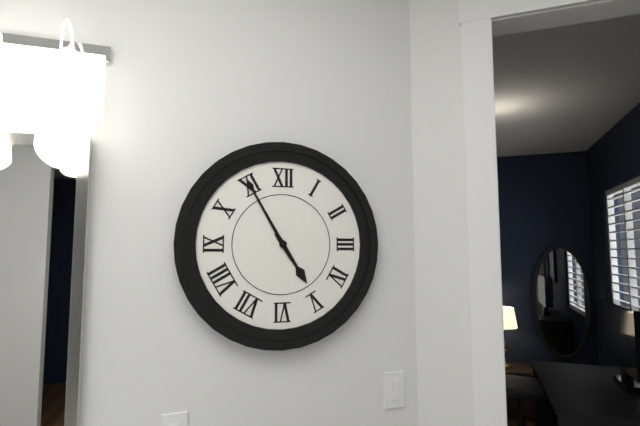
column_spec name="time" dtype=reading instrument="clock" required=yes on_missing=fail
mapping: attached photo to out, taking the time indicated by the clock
4:55
